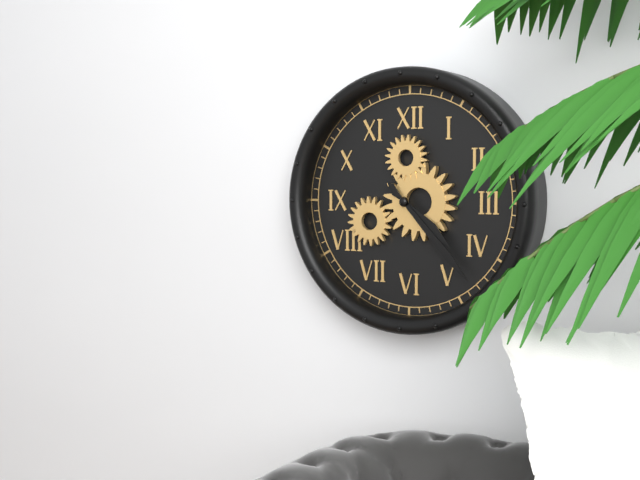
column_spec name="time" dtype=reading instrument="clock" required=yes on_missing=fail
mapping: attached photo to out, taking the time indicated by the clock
4:23
